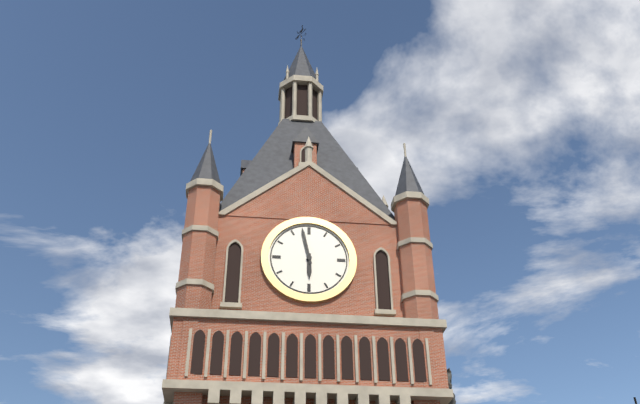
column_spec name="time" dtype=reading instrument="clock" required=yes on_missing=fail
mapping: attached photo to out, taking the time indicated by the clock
5:58
